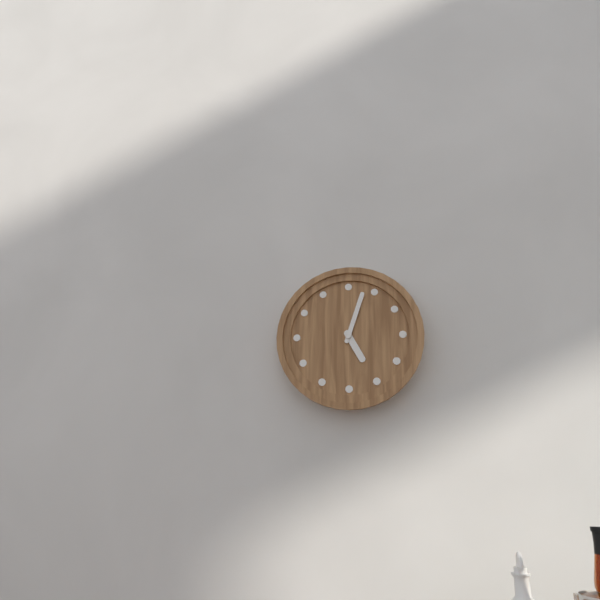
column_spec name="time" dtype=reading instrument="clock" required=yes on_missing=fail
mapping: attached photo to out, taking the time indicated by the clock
5:03
